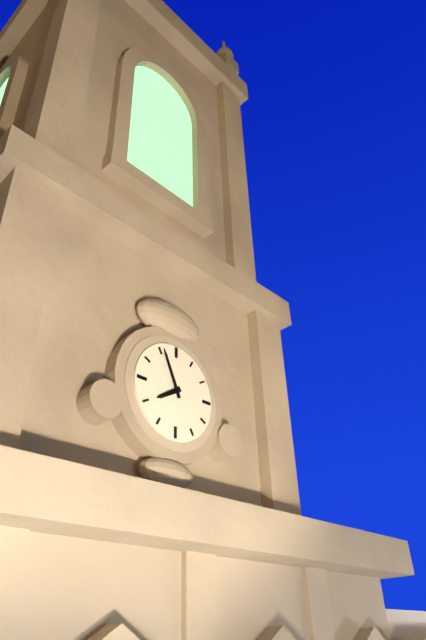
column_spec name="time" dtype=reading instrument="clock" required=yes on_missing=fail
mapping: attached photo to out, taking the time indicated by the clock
7:56
